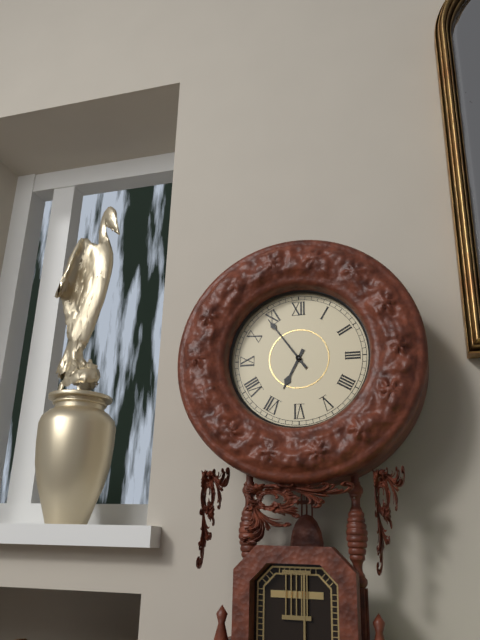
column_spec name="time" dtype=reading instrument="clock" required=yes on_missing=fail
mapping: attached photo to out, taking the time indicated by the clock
6:54
